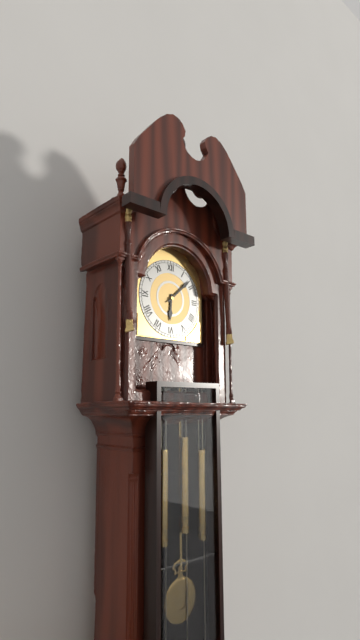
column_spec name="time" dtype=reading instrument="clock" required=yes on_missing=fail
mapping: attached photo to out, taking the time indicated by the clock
6:08
